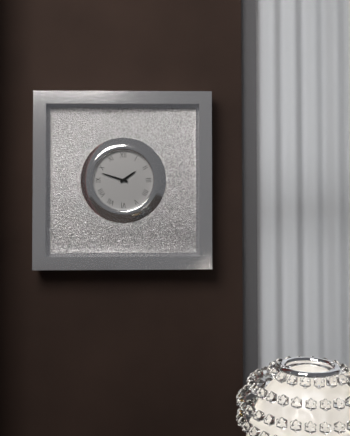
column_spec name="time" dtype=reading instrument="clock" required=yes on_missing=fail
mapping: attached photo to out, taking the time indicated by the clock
1:48
